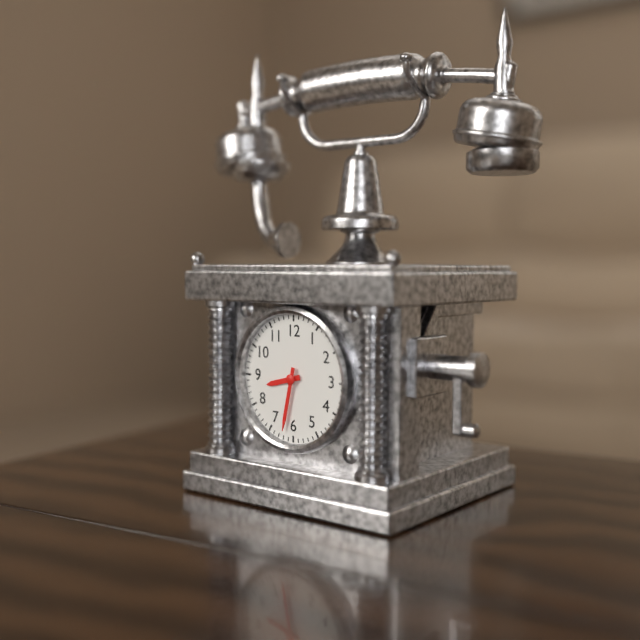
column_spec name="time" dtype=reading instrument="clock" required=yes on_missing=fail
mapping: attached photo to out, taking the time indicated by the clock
8:32
